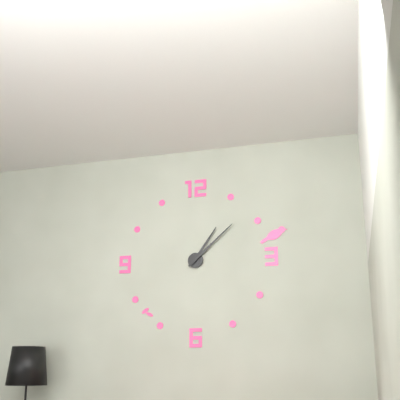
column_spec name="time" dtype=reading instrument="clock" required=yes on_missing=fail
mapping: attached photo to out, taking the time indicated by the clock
1:08
